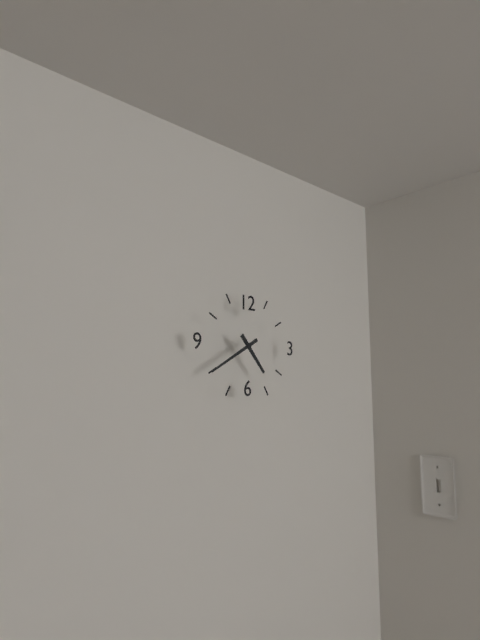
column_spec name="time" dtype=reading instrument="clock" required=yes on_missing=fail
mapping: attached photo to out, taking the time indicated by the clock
4:40
